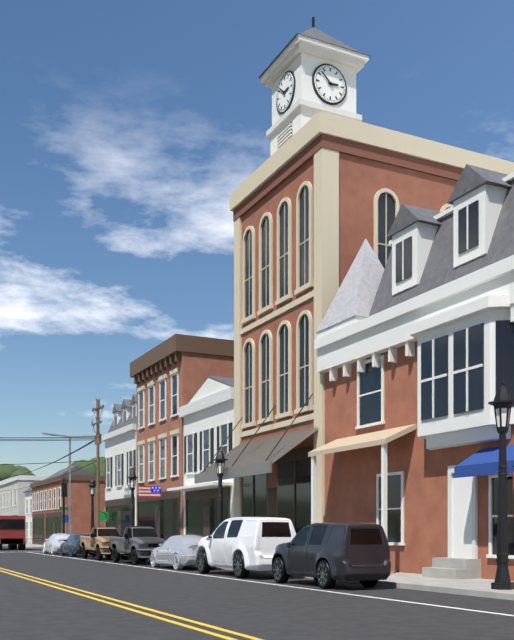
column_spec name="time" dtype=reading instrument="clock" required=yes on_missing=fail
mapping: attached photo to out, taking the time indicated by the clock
2:52
